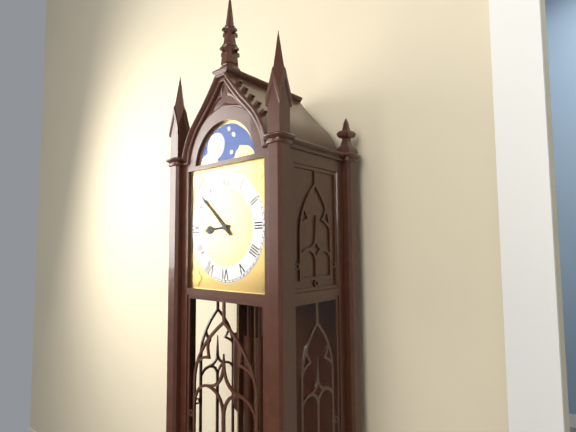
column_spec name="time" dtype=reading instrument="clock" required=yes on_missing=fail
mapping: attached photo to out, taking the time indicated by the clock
8:52
